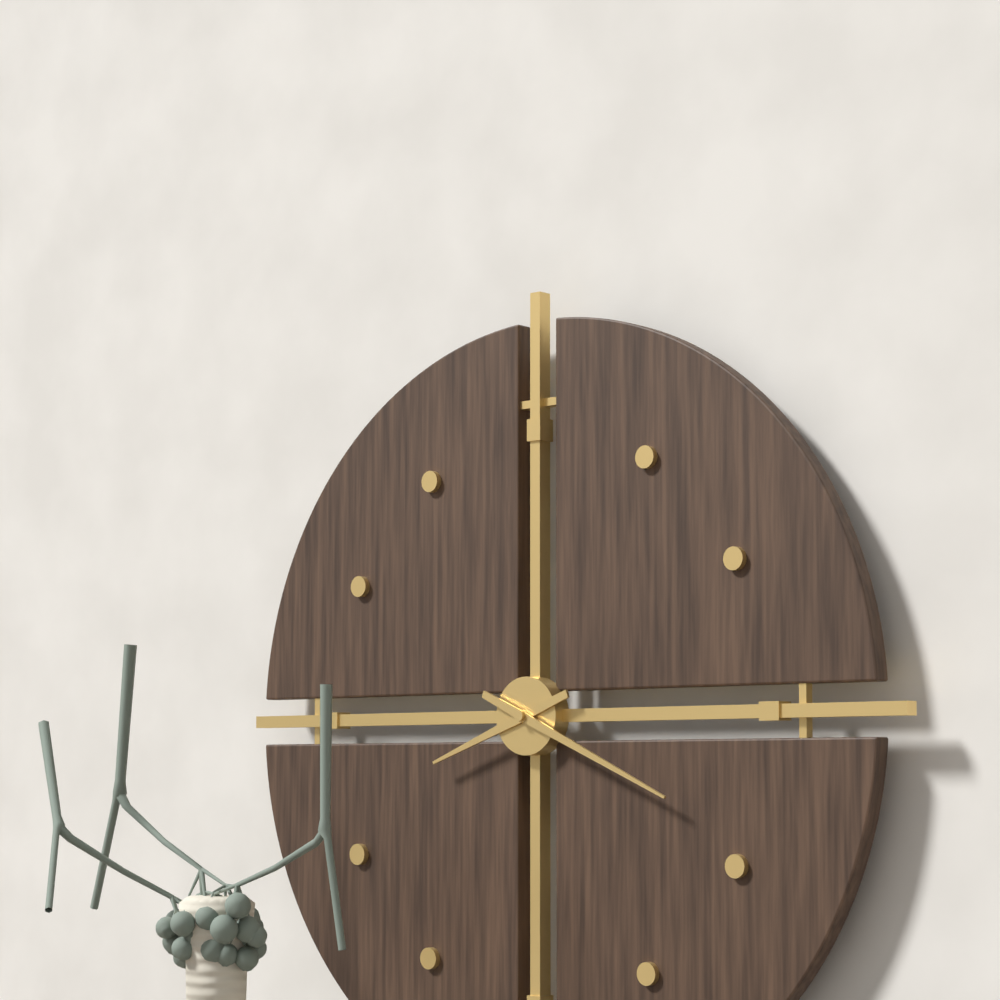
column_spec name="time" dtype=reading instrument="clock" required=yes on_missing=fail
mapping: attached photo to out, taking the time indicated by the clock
8:19
